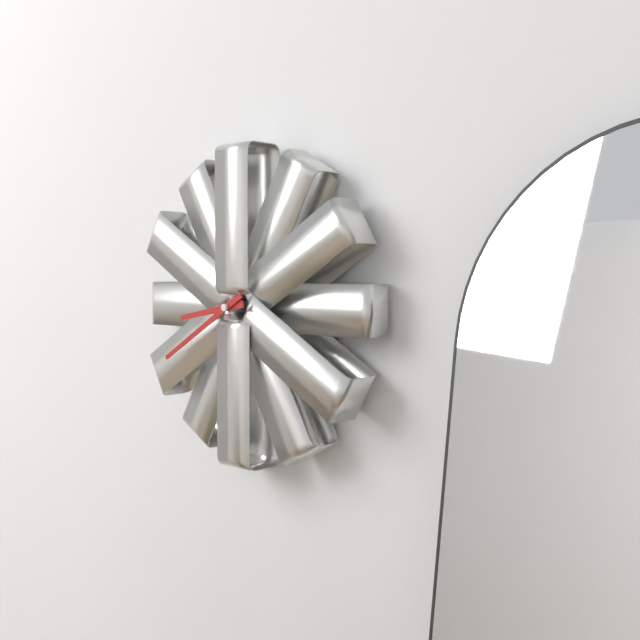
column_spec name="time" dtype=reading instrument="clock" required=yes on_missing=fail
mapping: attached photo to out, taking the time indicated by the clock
8:40
